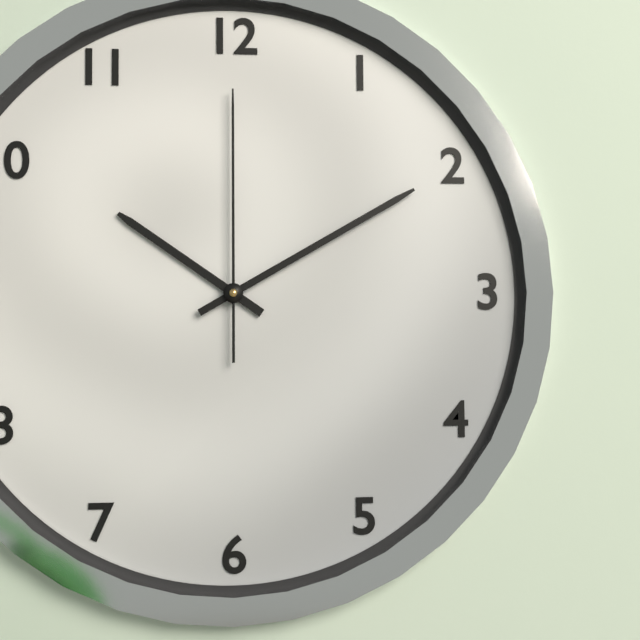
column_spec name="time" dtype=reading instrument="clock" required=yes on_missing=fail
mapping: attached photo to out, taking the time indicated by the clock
10:10:00
